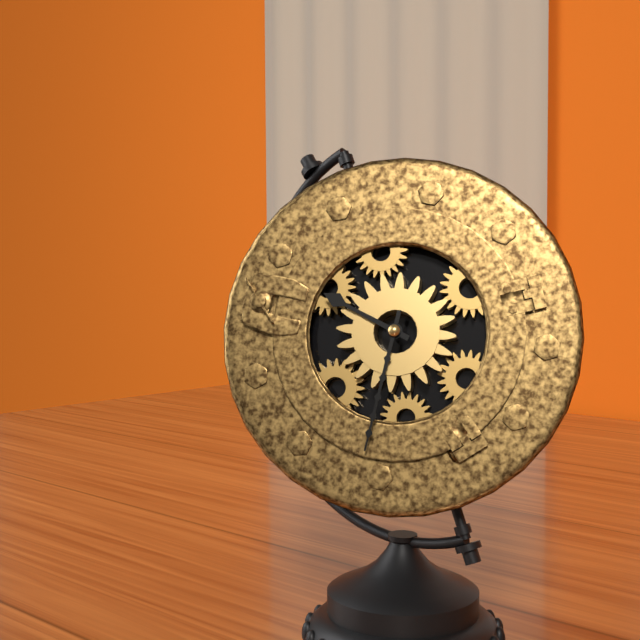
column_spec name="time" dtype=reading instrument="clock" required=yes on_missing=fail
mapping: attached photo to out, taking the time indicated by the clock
9:30
